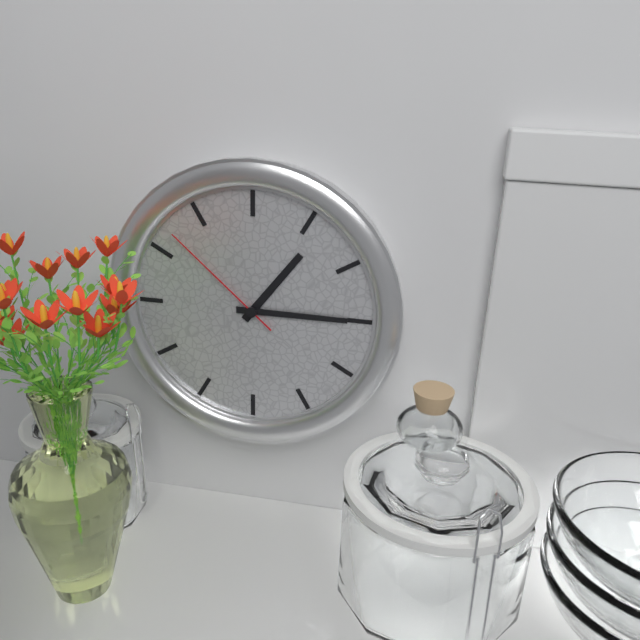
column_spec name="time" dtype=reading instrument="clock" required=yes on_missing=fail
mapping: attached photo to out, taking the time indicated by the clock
1:15:52
